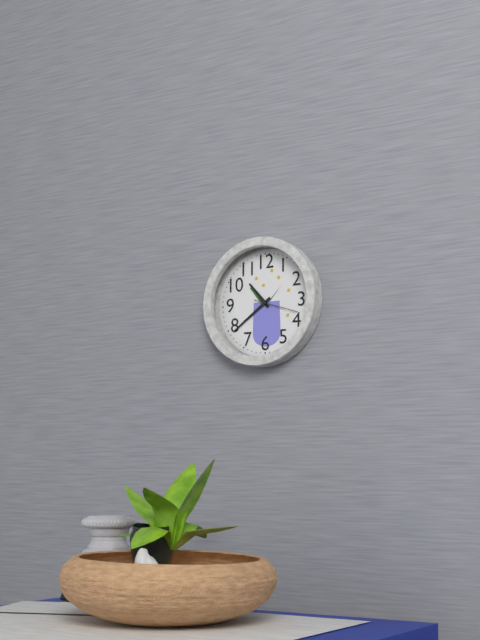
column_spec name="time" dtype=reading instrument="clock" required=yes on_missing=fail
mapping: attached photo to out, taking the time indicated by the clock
10:39
